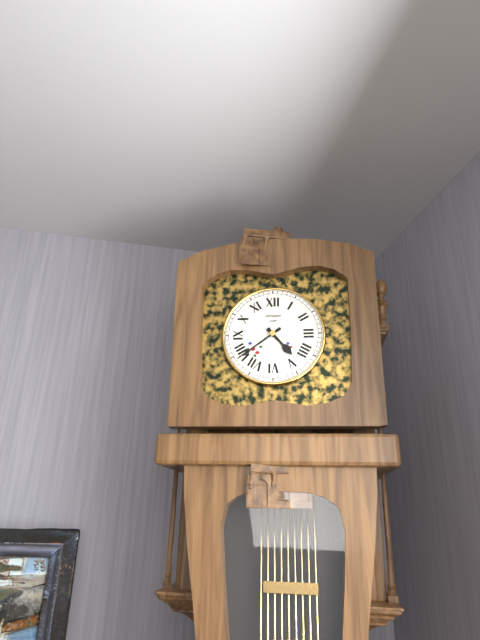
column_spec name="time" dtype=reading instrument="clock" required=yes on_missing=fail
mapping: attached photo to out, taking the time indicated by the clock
4:39
